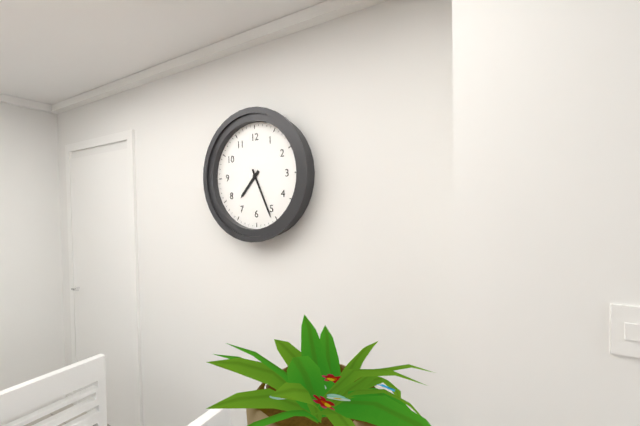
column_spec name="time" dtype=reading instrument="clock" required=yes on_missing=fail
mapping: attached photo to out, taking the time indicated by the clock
7:26
